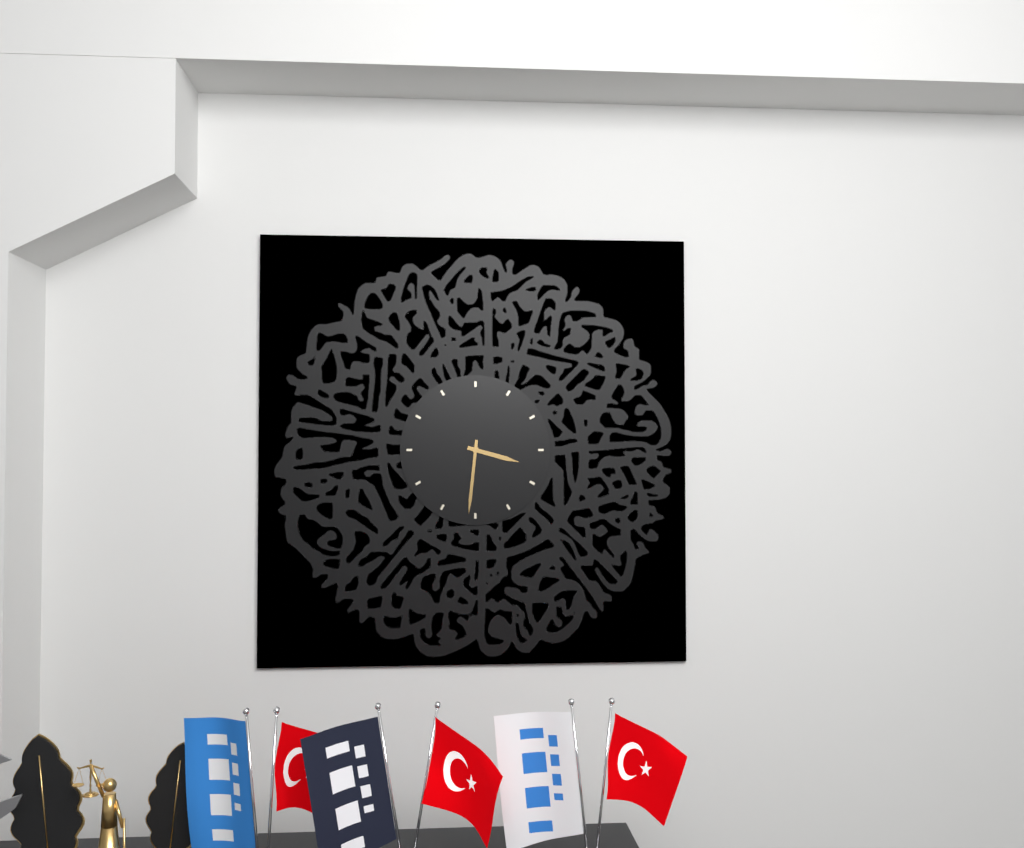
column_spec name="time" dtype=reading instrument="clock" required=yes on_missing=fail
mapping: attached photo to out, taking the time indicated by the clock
3:31
